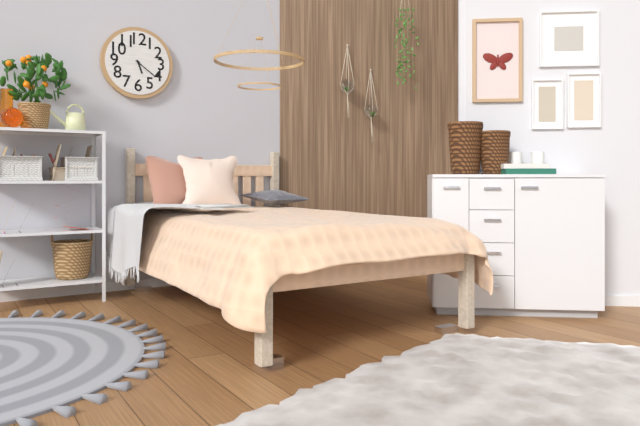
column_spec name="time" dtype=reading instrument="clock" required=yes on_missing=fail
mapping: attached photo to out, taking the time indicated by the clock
5:21
